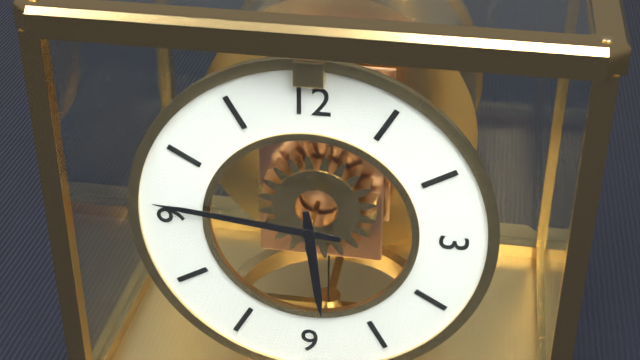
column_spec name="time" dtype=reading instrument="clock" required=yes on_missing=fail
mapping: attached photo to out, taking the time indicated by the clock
5:46
